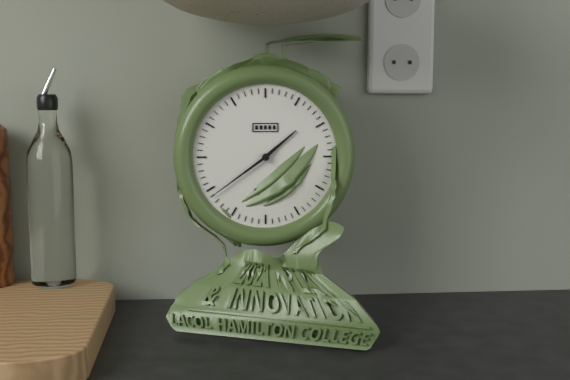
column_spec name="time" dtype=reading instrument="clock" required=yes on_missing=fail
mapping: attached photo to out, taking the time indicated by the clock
1:39
